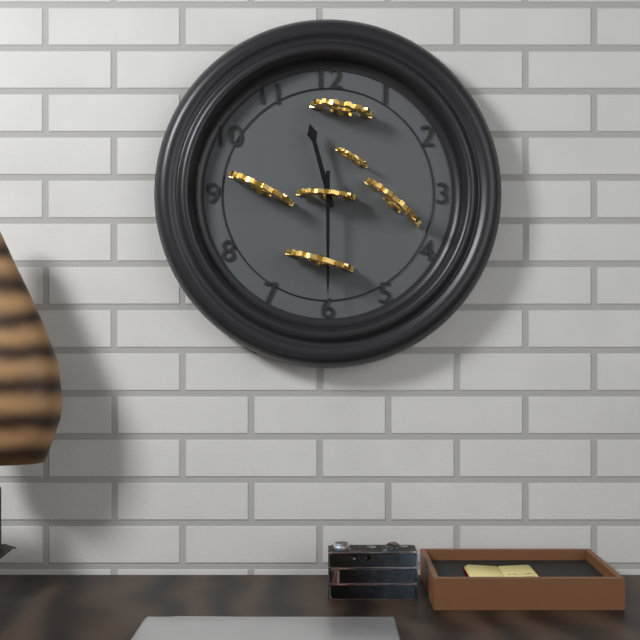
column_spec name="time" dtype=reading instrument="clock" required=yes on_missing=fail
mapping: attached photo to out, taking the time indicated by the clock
11:30
